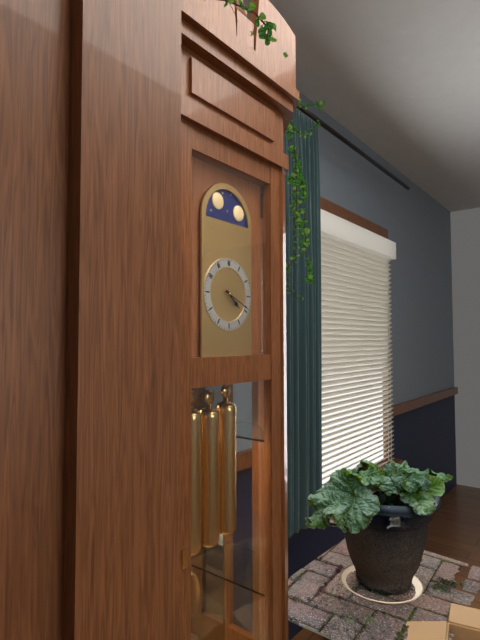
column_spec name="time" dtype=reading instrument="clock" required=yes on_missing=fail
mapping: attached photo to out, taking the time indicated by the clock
4:19
